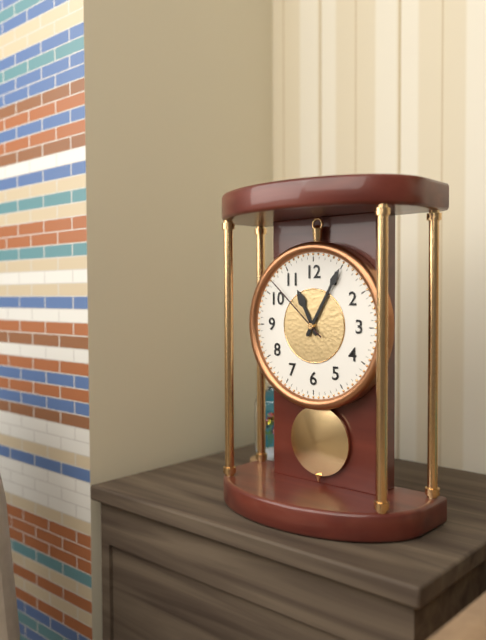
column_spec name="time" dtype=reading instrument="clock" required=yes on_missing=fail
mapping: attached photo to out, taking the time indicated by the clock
11:05:52
